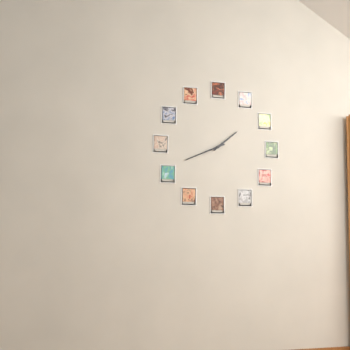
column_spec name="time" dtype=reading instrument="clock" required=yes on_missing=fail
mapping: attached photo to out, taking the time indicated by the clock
1:41
